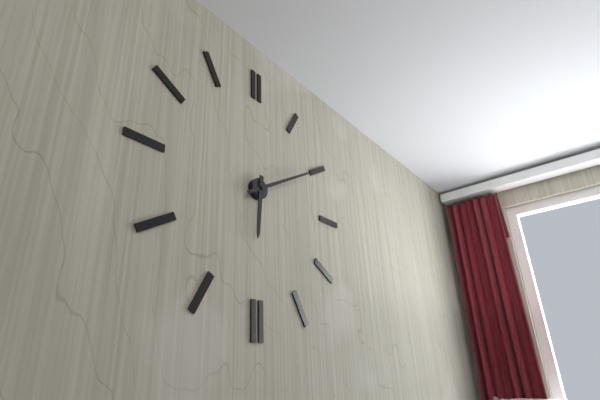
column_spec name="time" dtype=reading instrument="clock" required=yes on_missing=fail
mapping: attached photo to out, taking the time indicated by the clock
6:10
